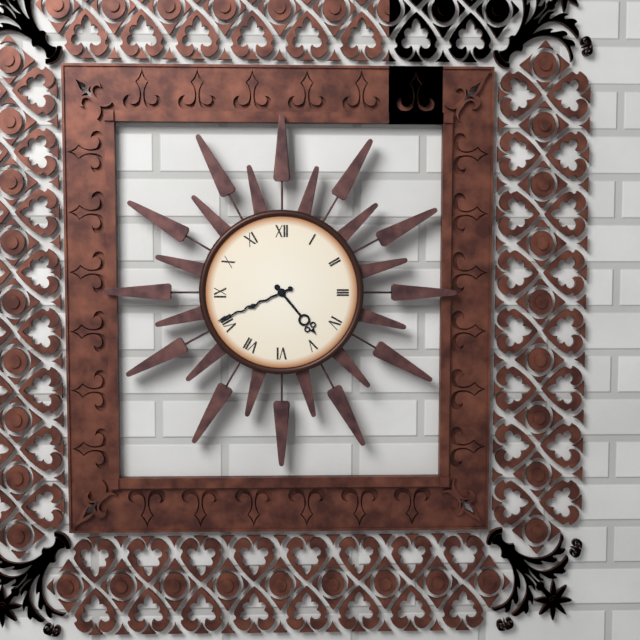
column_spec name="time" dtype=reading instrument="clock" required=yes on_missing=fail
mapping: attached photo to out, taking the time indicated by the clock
4:41
